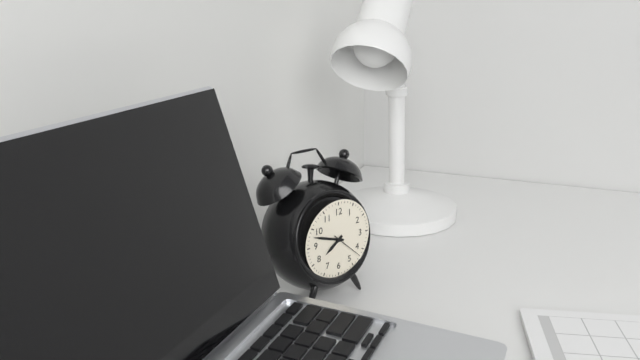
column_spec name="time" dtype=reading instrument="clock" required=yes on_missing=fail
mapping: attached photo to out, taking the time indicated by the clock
7:48
